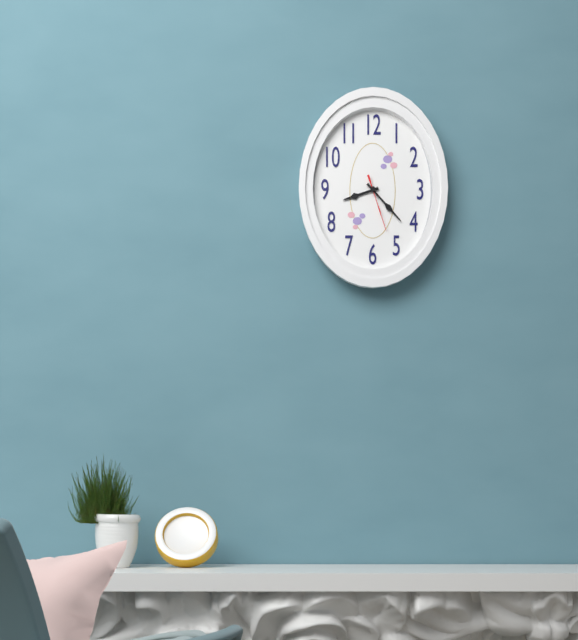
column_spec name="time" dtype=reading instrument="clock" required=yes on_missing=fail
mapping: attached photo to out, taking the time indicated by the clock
8:23:27
